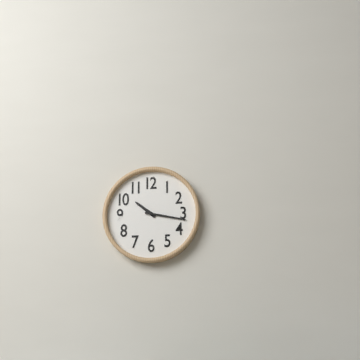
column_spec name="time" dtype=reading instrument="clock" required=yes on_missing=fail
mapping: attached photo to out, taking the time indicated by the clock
10:17
